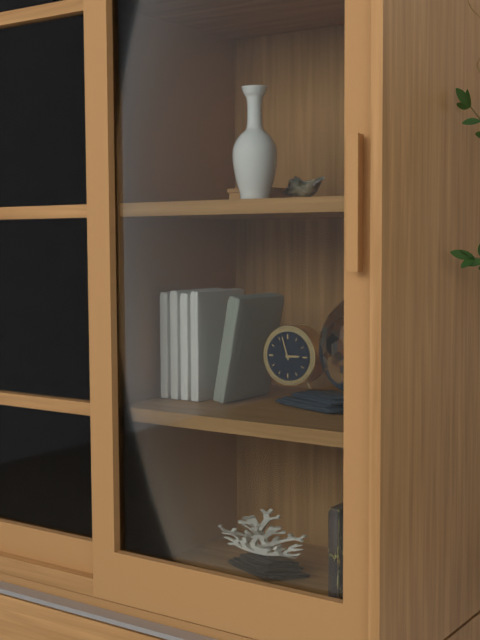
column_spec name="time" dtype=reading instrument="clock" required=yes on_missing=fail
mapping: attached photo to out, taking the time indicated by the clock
2:57
